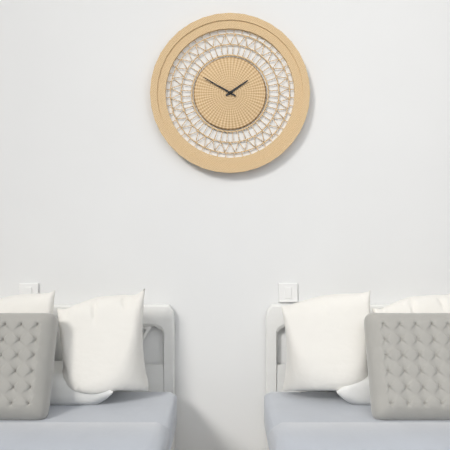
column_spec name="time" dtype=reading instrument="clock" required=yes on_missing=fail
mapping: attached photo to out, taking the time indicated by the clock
1:50
